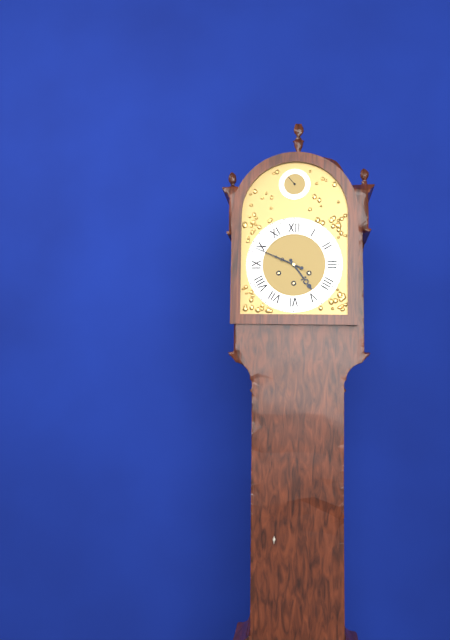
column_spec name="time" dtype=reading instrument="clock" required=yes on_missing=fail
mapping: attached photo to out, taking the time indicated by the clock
4:49
